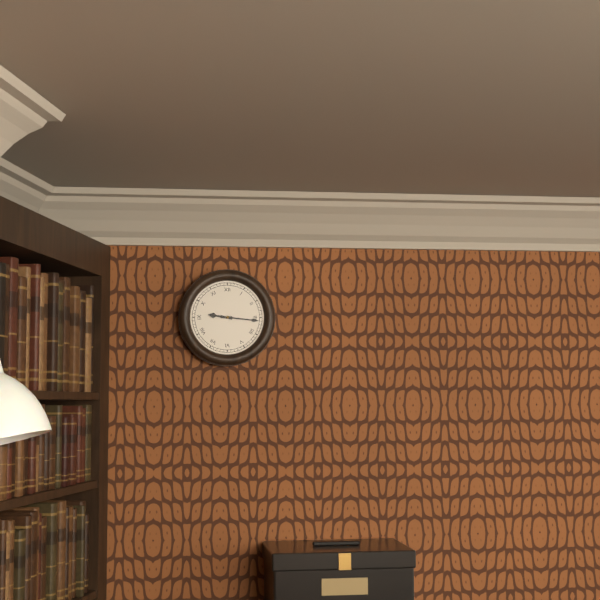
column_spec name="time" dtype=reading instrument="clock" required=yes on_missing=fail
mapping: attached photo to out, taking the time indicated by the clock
9:16
